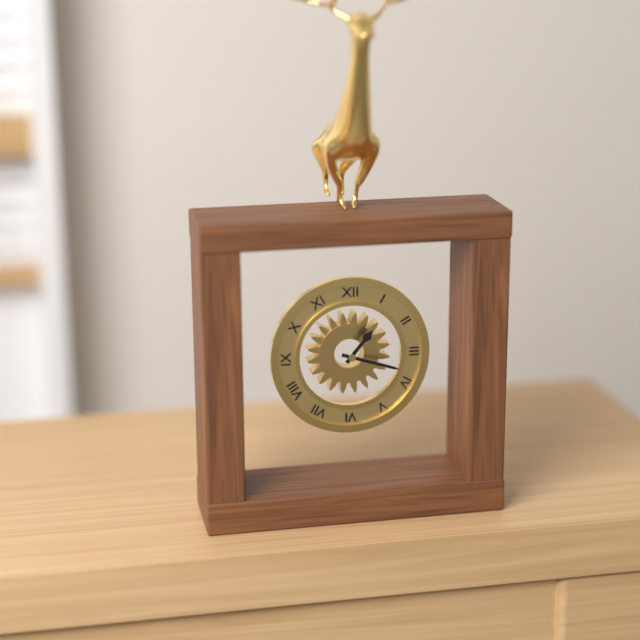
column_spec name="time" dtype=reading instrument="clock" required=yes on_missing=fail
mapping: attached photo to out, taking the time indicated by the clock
1:18
